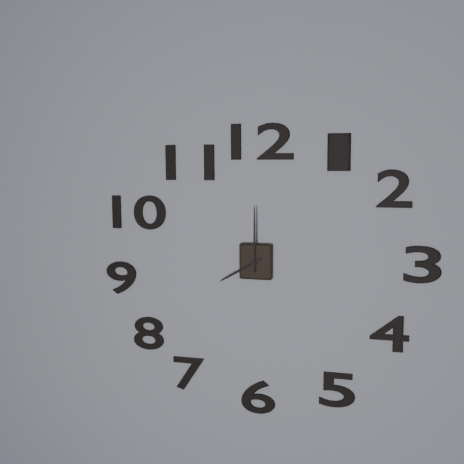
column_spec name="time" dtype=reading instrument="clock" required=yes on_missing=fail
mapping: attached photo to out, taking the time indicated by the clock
8:00
